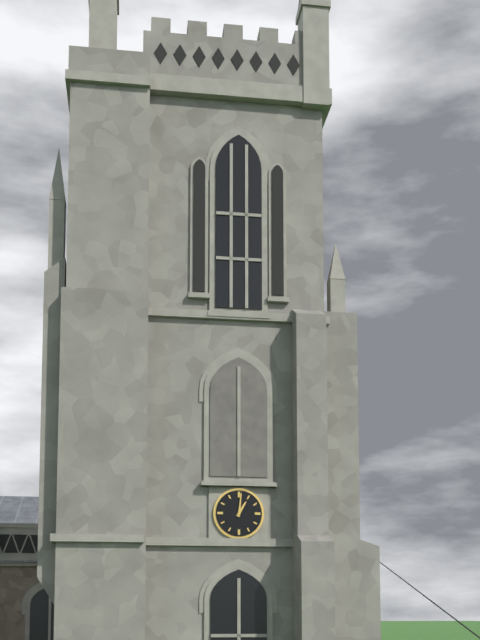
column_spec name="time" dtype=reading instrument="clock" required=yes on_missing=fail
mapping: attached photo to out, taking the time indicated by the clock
1:01
